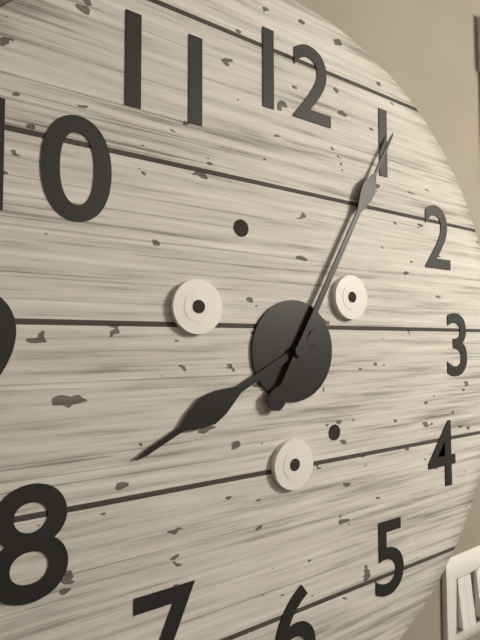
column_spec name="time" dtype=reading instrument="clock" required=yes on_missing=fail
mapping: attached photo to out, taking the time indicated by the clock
8:05
